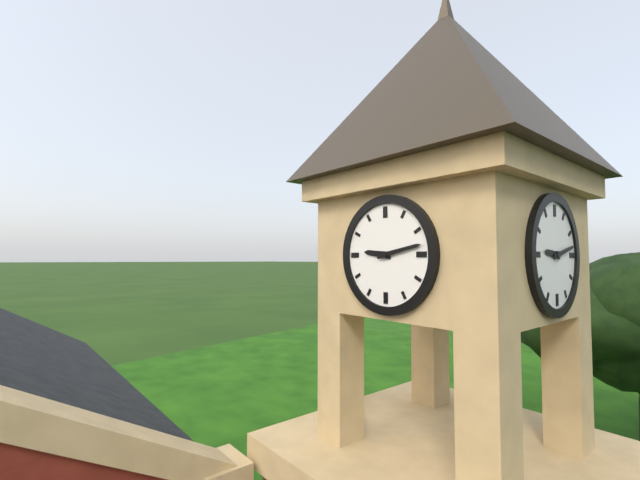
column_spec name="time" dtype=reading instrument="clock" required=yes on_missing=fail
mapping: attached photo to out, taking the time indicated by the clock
9:13
